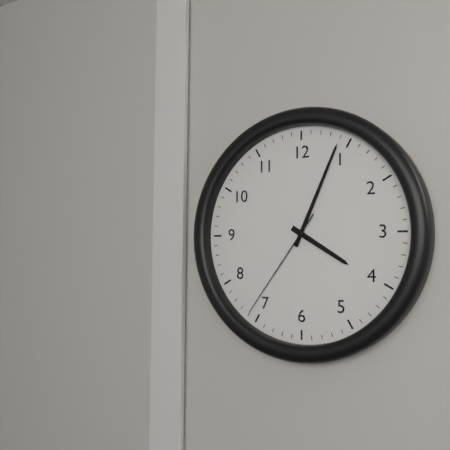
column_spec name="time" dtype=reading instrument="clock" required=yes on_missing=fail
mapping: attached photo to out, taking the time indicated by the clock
4:04:36
